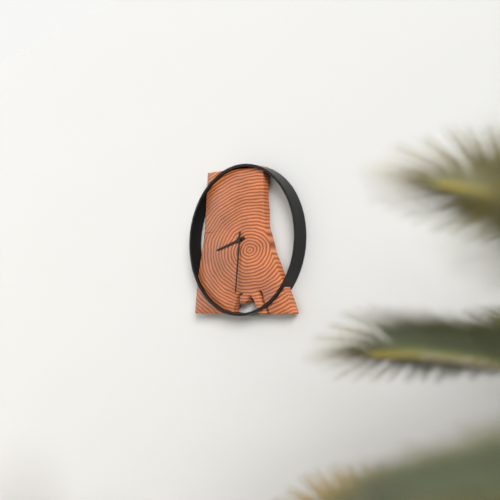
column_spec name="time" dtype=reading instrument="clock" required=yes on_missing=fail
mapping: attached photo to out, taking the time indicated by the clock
8:31
